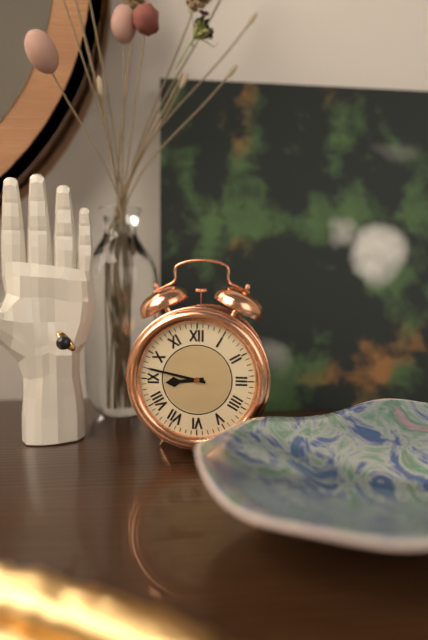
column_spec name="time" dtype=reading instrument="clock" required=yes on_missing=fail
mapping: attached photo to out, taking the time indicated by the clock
8:47
